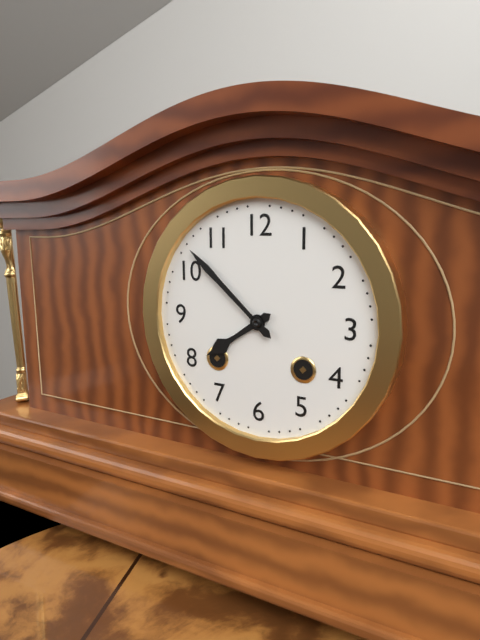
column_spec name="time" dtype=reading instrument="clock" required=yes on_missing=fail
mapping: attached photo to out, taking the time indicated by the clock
7:52
